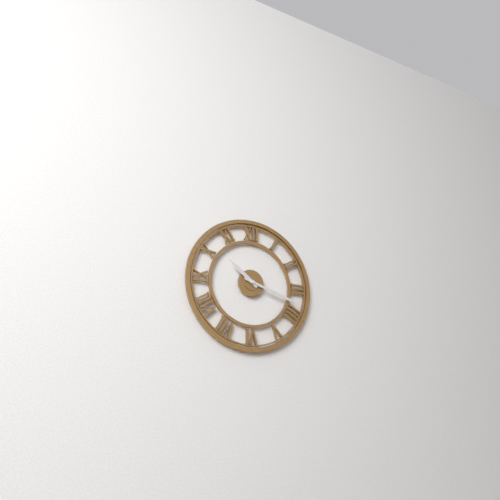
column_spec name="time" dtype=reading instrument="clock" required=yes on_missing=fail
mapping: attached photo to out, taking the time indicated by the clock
10:18
